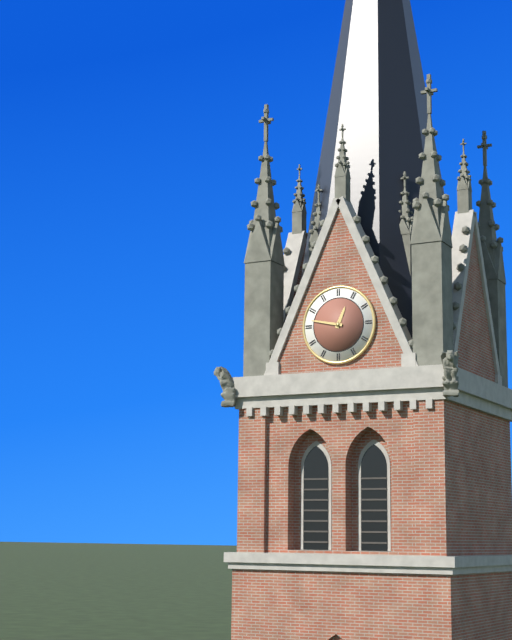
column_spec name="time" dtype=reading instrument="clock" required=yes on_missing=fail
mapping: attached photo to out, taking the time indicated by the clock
12:47
